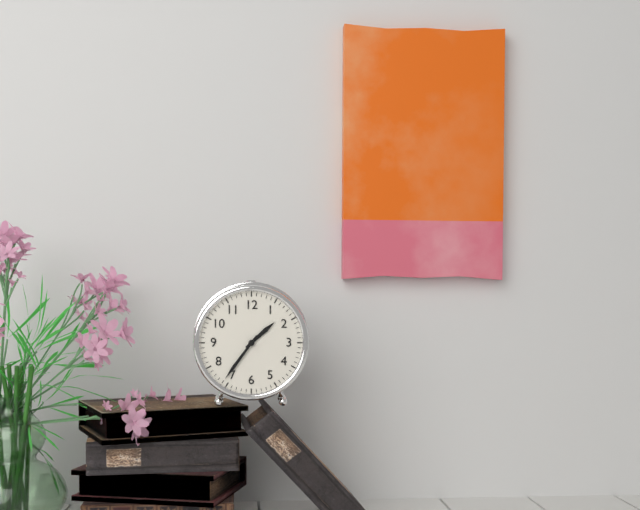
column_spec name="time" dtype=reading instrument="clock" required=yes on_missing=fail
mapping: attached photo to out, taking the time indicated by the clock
1:36
